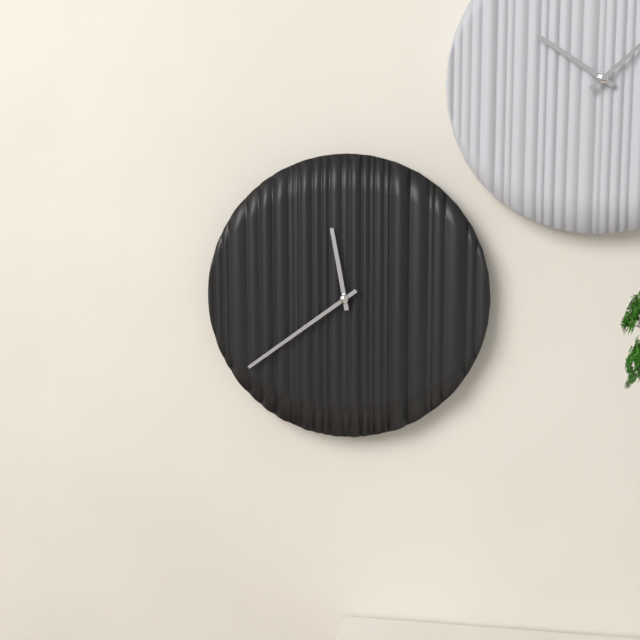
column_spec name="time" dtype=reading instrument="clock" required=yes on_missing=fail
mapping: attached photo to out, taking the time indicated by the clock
11:39
